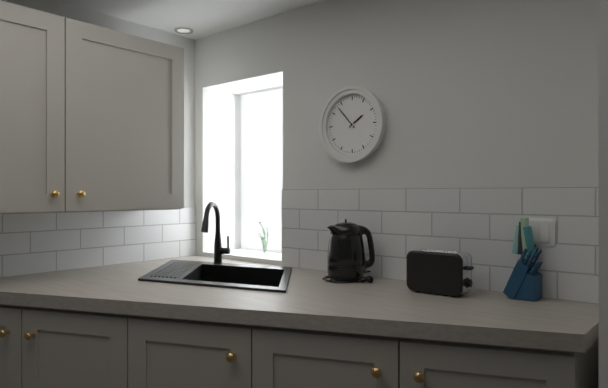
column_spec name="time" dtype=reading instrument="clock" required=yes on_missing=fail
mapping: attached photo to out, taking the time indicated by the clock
1:53
